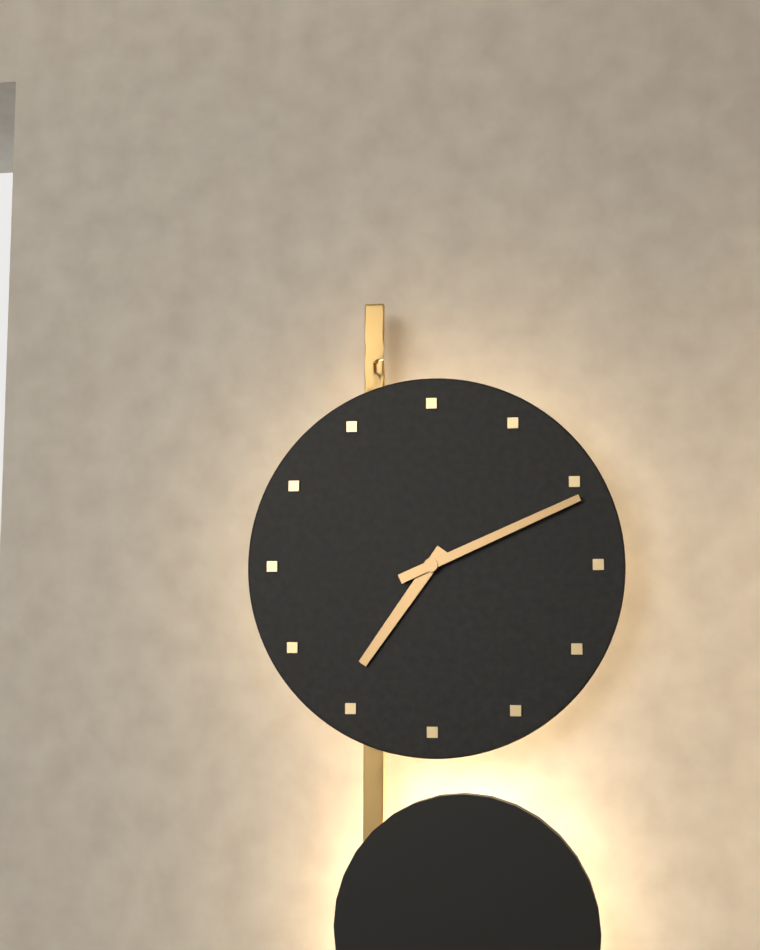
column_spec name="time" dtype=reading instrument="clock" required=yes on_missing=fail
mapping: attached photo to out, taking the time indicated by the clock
7:11
